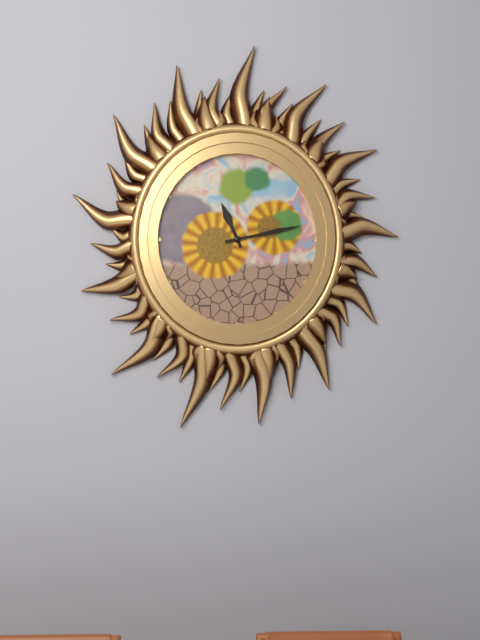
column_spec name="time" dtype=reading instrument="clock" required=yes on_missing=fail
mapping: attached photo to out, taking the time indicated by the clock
11:13
